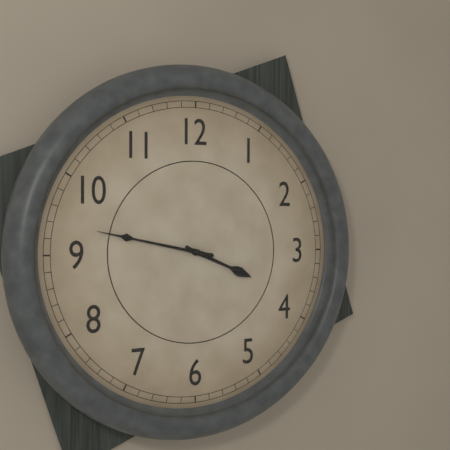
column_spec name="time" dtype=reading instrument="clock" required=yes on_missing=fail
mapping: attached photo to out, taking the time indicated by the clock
3:47
